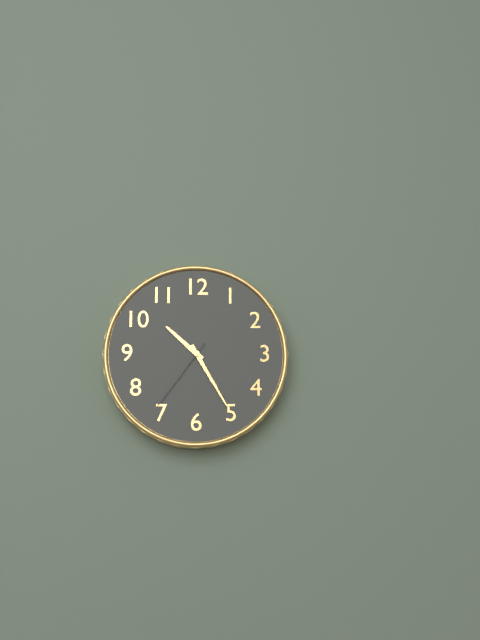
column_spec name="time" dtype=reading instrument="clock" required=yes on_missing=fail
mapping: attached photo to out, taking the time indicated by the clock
10:25:36
